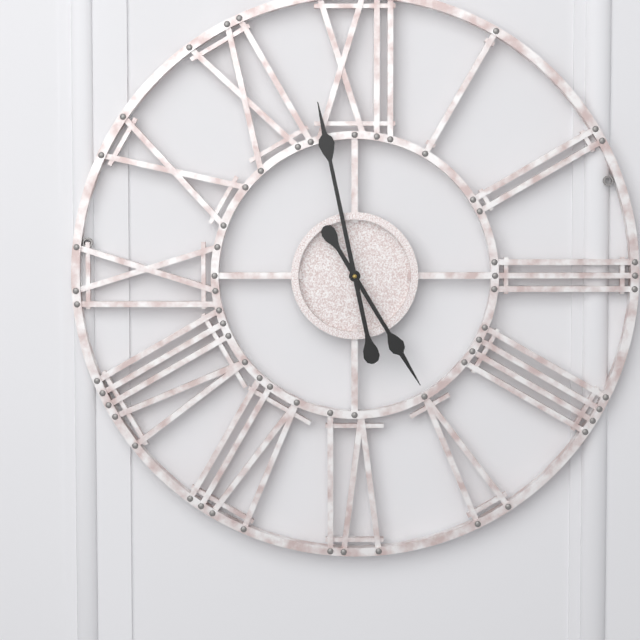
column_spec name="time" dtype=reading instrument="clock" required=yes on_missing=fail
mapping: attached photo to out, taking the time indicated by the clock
4:58
